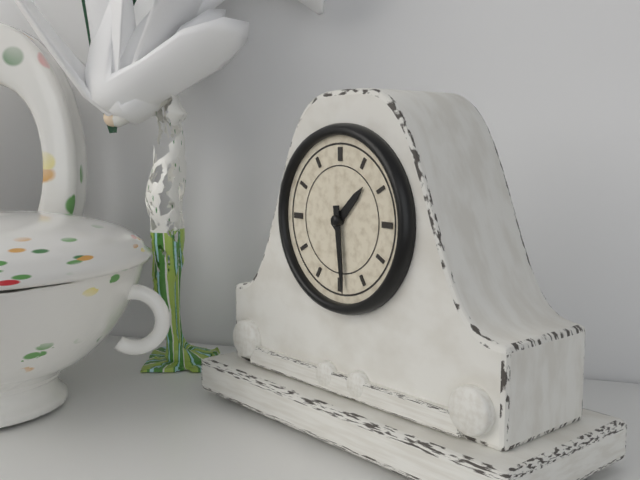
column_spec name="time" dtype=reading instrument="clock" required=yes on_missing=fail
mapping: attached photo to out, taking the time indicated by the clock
1:29
